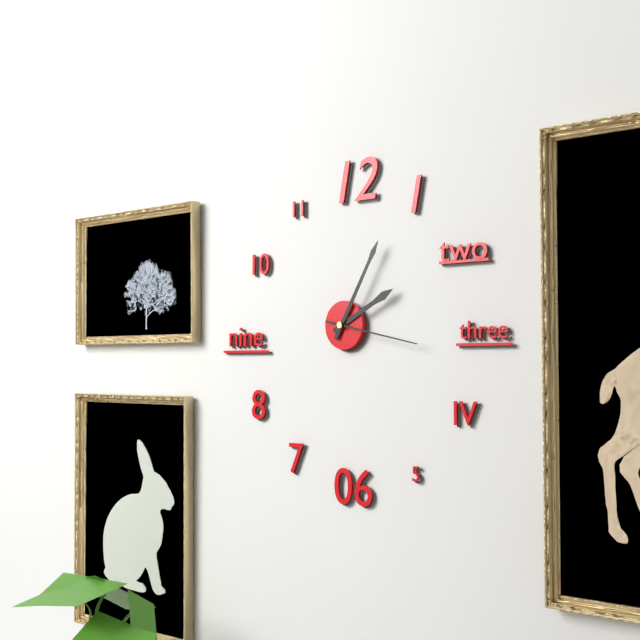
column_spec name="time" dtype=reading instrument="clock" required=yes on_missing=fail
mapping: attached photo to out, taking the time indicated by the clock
2:05:17
